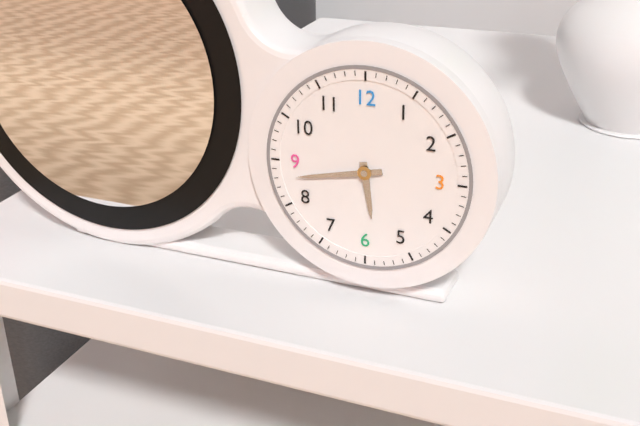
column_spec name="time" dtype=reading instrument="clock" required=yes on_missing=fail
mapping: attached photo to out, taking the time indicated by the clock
5:43
